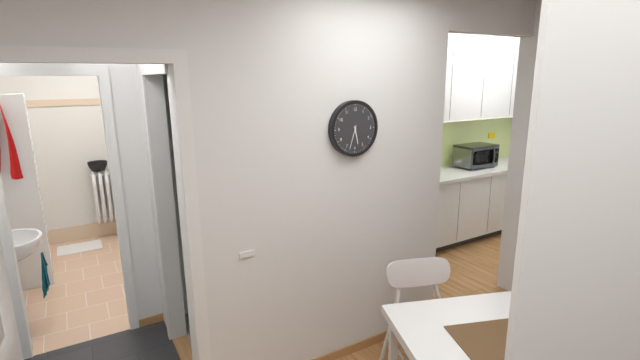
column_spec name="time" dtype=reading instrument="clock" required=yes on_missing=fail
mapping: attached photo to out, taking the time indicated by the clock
5:33
